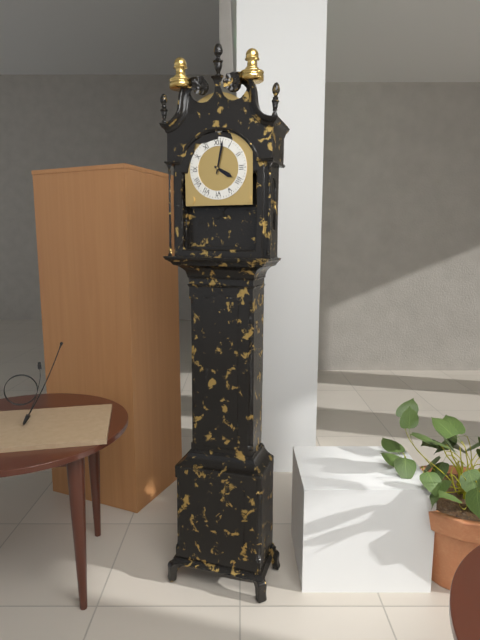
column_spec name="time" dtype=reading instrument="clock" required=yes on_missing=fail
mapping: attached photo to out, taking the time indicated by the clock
4:02
